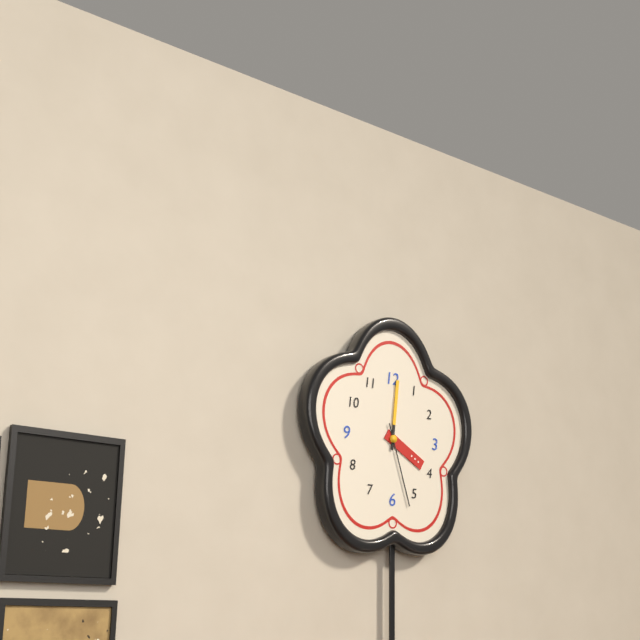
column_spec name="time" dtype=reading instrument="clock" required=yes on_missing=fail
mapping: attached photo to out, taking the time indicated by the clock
4:01:27
